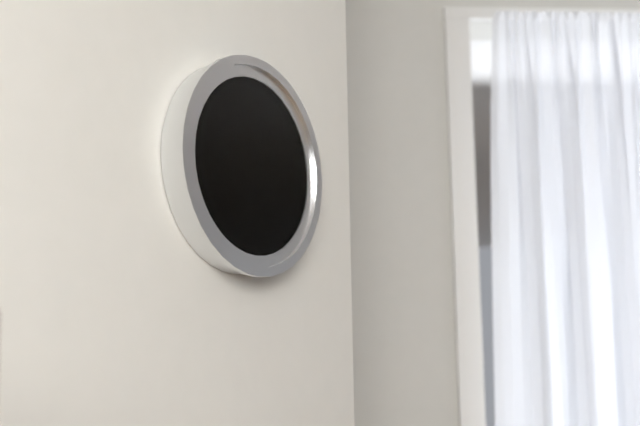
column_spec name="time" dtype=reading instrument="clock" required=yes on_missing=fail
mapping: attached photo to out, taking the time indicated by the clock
1:56:30
